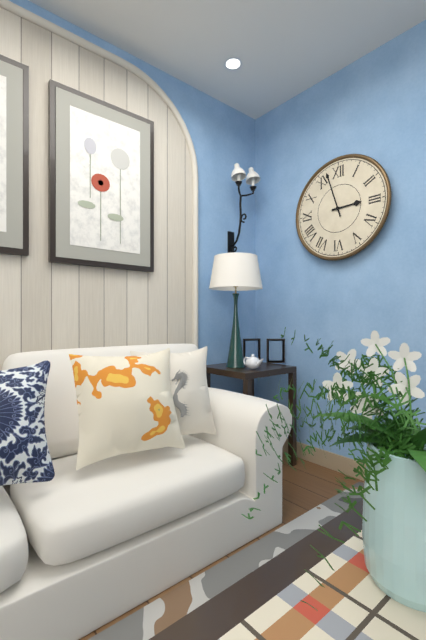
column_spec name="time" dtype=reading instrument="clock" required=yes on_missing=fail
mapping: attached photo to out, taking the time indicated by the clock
2:57
